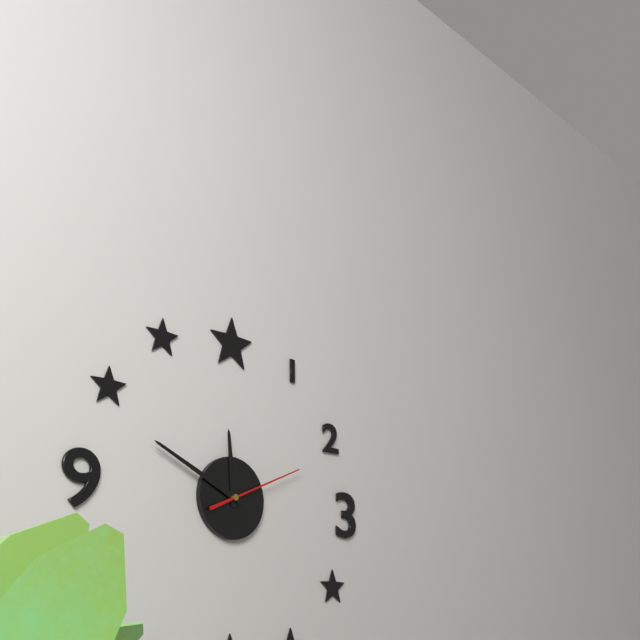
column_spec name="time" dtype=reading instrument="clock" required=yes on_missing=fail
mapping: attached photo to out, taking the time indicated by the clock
11:49:11
